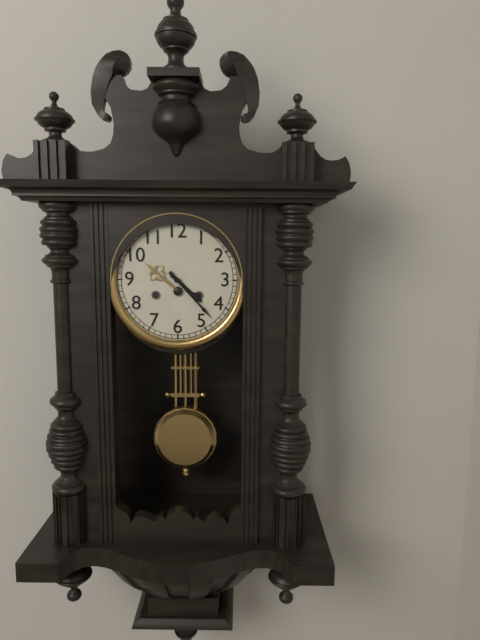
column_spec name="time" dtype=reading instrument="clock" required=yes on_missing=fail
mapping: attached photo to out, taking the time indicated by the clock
4:23
